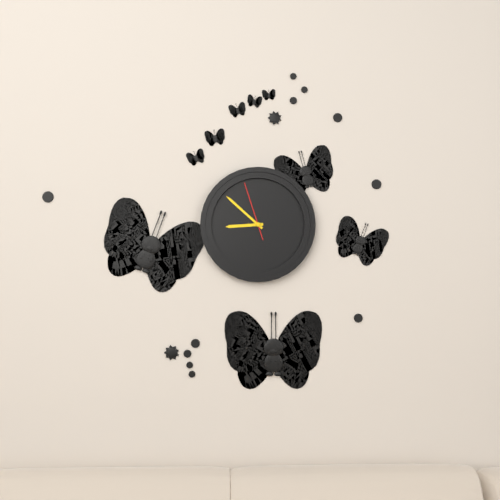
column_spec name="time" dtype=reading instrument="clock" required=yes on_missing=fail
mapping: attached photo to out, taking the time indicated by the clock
8:52:57
